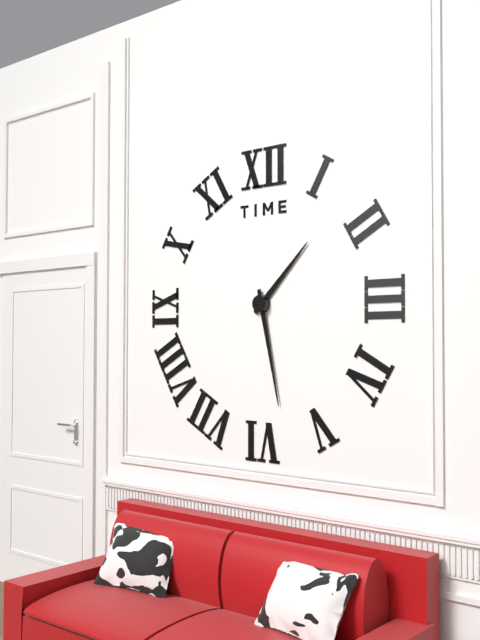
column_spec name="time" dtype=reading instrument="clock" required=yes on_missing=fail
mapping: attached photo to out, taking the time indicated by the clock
1:28
